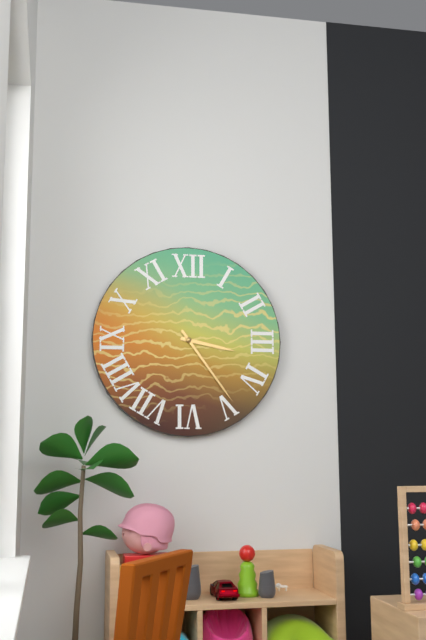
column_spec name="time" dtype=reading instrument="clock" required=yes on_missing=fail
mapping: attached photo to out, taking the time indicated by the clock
3:24
